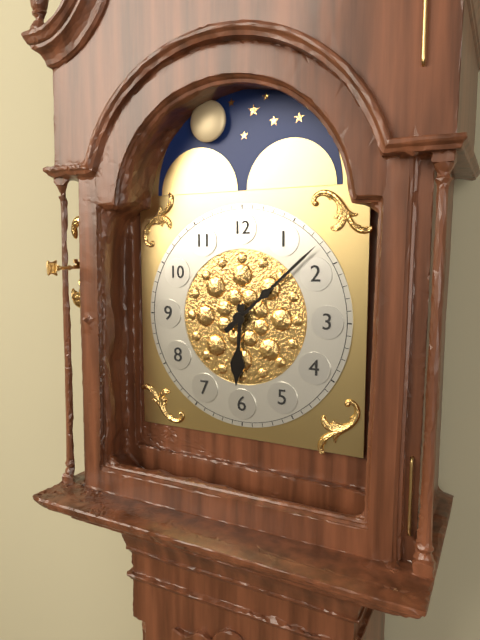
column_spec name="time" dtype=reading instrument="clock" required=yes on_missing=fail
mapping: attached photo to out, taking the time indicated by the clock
6:08
